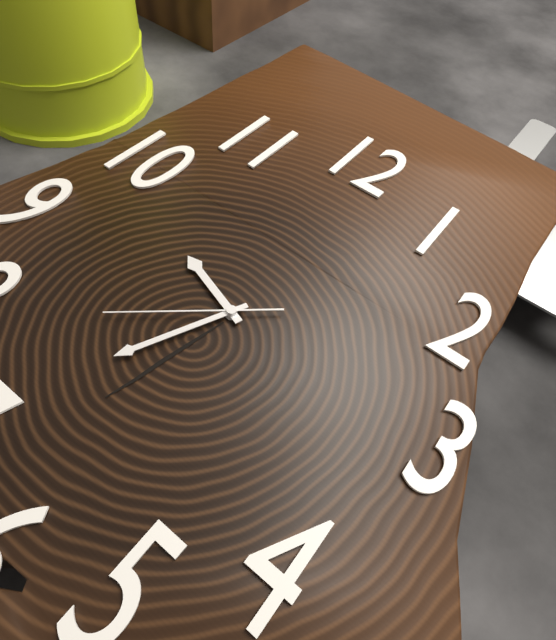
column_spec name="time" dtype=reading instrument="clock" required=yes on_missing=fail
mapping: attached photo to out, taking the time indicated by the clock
9:34:38
